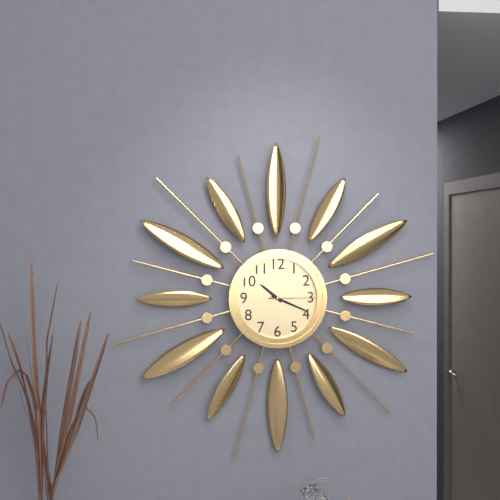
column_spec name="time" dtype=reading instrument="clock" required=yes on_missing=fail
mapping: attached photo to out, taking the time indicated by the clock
10:19
